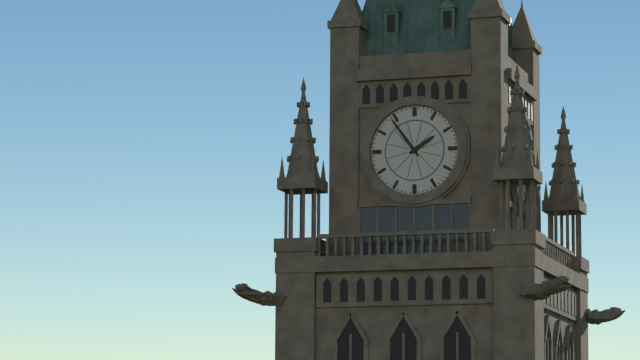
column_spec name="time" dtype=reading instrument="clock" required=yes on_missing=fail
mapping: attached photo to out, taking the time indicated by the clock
1:54
